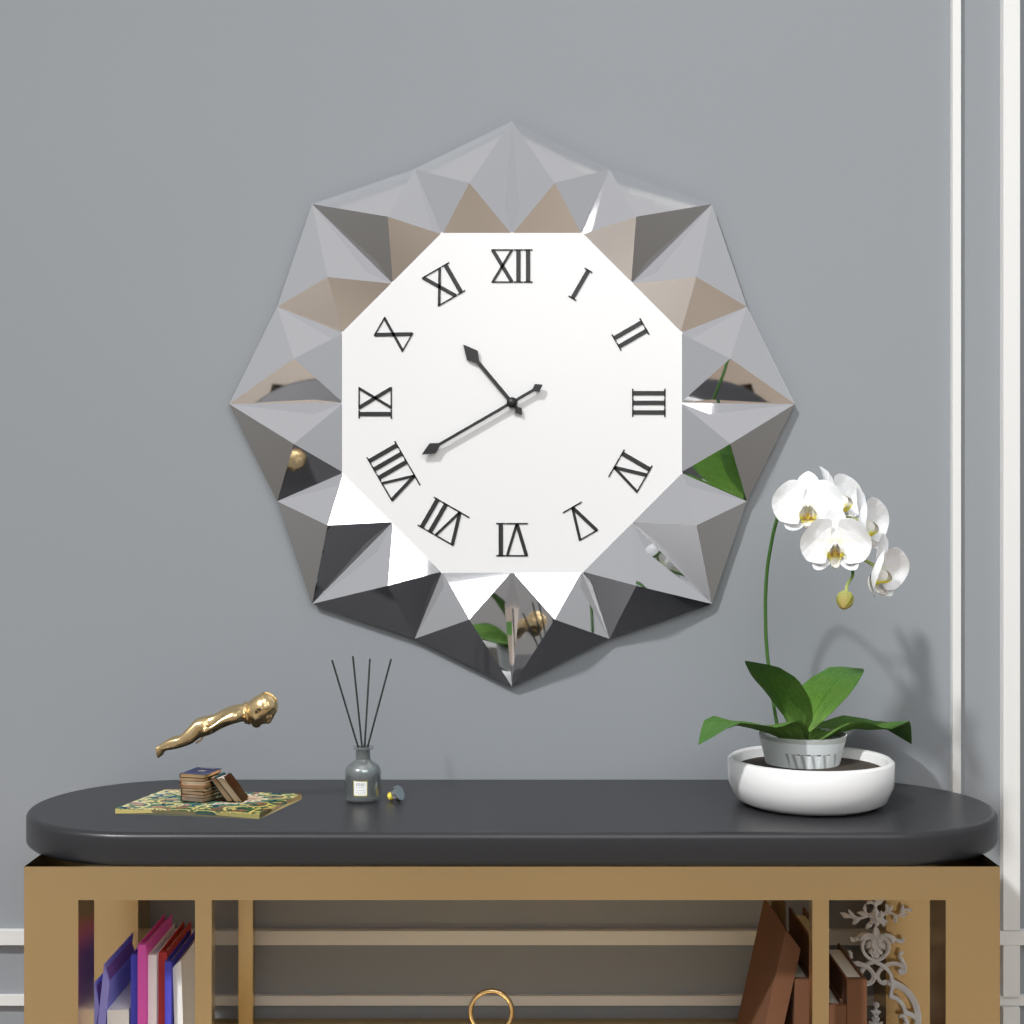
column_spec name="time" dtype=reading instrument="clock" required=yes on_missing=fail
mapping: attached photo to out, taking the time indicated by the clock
10:40
